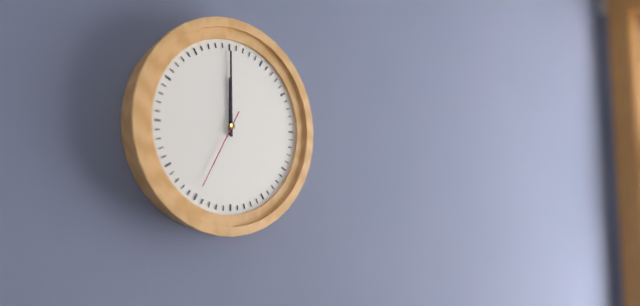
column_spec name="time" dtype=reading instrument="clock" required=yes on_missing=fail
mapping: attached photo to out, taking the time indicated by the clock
12:00:35
